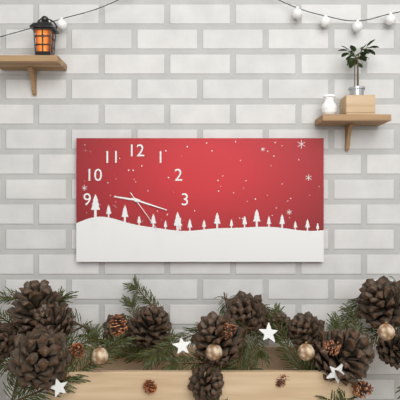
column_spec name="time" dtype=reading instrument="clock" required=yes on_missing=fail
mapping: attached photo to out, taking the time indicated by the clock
9:18
